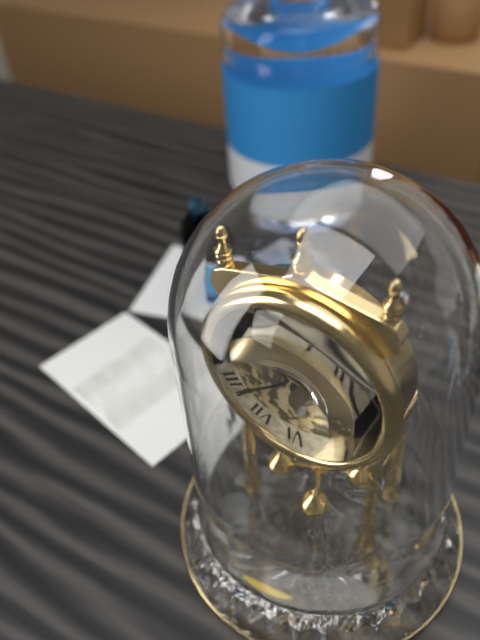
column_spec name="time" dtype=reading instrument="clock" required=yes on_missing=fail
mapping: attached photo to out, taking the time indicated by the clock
12:39
